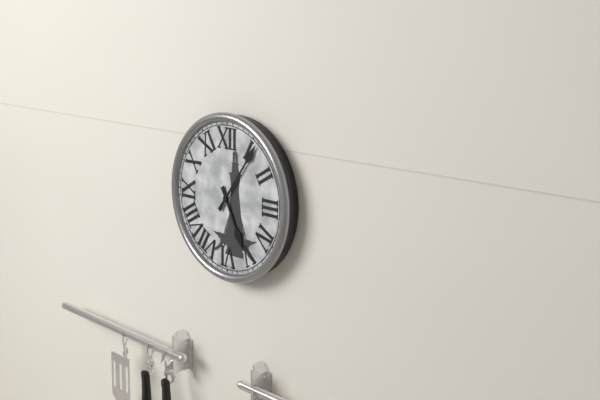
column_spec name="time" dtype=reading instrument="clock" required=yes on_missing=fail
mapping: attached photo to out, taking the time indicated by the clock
5:06
